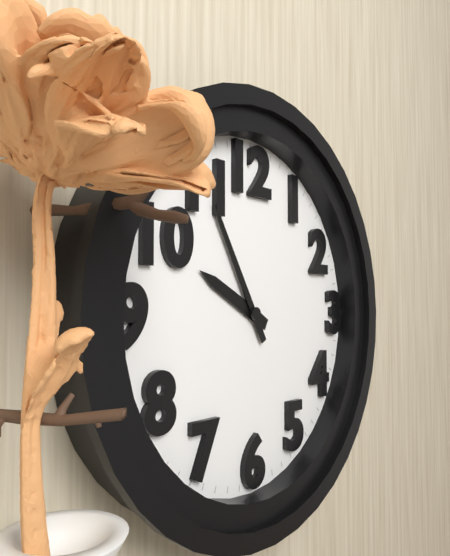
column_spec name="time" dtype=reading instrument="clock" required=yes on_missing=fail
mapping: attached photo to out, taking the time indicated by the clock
9:55
